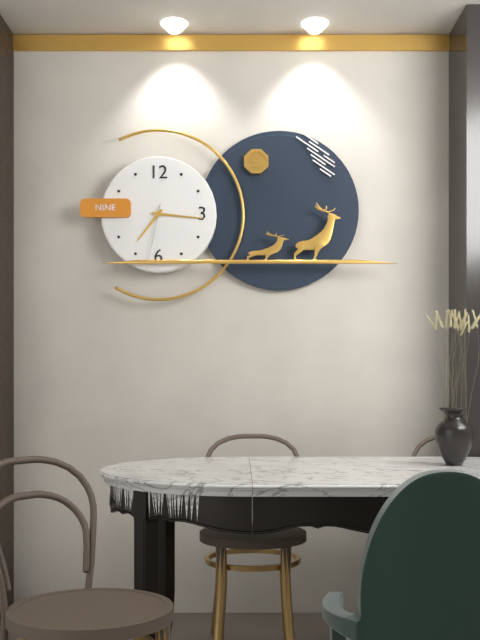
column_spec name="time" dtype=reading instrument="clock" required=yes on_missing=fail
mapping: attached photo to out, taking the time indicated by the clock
7:16:32
